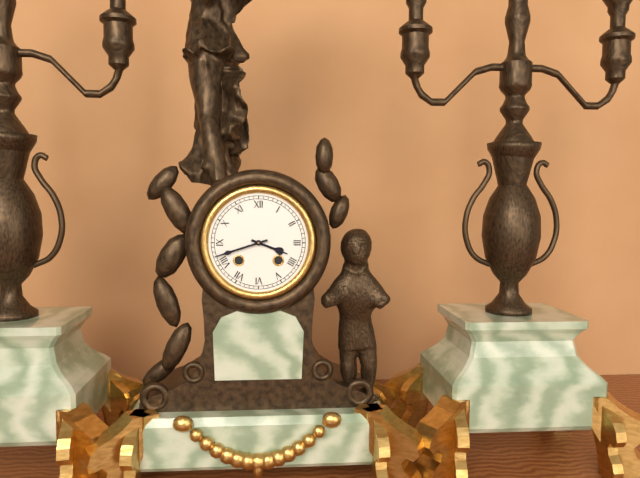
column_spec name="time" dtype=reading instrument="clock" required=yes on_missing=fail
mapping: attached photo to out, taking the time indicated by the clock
3:42
